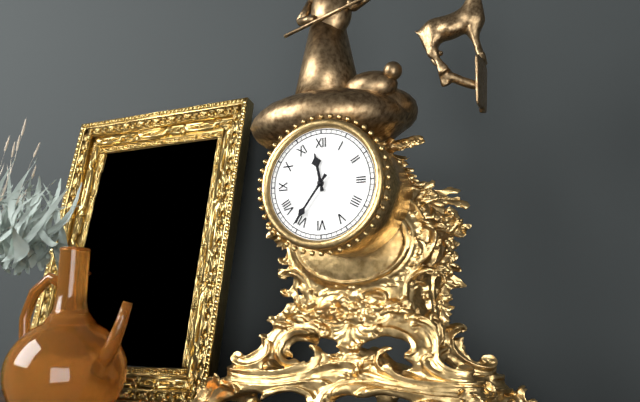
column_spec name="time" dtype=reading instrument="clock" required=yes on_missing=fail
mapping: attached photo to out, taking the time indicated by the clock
11:36
